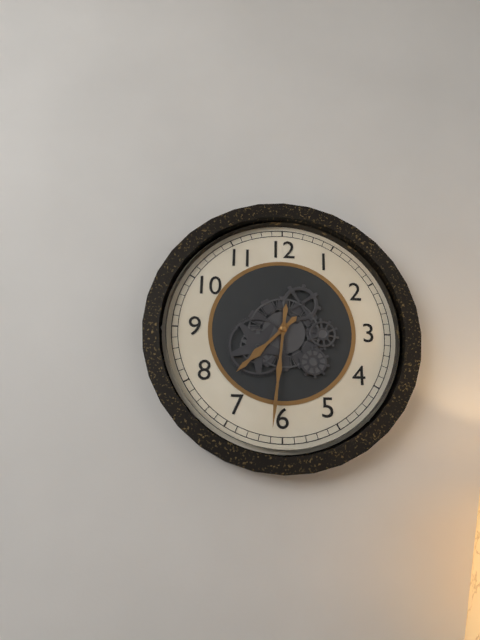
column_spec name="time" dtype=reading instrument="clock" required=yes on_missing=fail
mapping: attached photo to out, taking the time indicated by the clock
7:31
